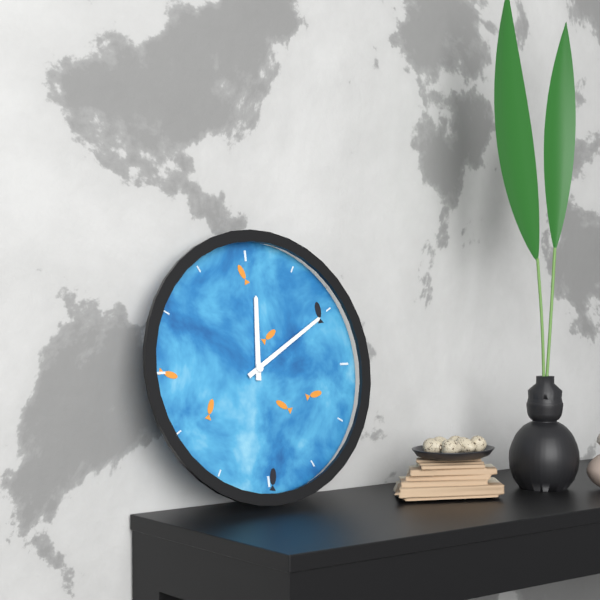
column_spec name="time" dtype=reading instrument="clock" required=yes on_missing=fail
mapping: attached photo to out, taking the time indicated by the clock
12:10
